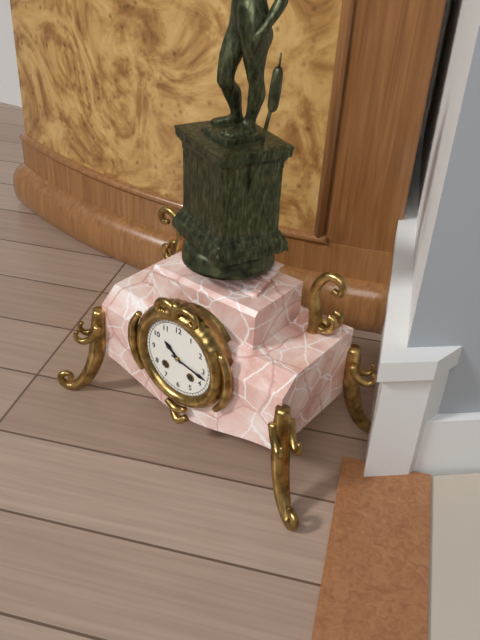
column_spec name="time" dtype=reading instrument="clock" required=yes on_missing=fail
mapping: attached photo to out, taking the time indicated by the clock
10:17
